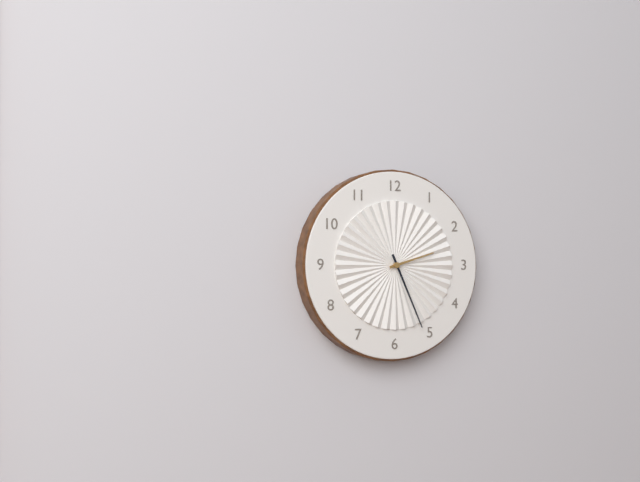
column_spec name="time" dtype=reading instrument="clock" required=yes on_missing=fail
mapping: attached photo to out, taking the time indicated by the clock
2:26
